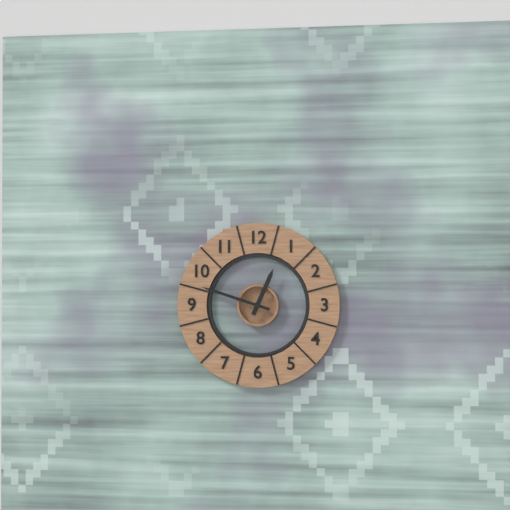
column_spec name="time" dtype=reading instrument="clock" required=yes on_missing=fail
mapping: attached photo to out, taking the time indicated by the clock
12:48
